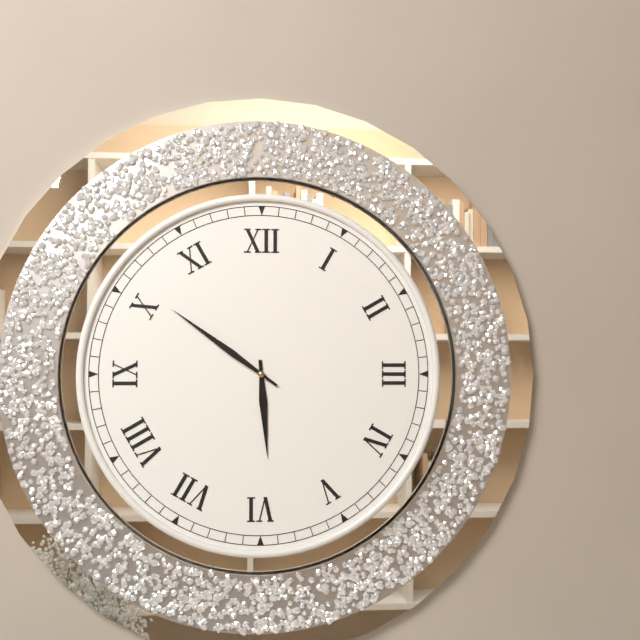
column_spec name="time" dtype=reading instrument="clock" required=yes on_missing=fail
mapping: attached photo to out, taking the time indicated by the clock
5:51
